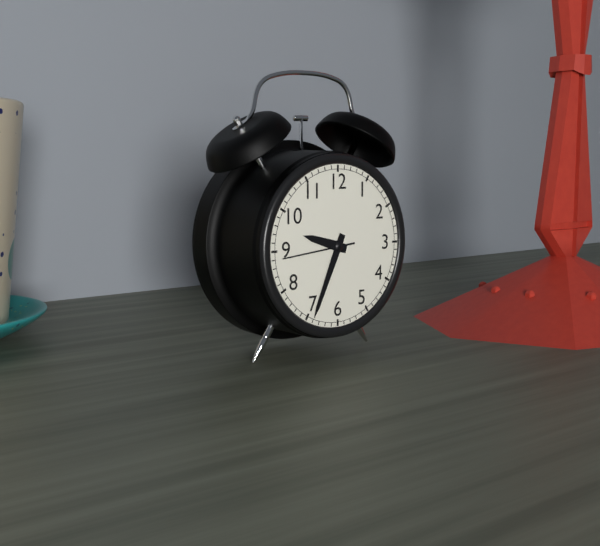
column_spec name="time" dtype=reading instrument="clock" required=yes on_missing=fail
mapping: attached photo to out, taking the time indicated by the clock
9:34:44
